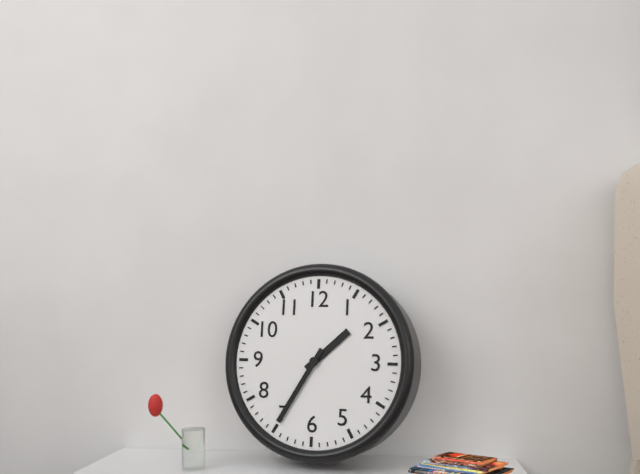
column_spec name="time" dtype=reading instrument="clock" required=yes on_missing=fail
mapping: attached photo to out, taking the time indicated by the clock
1:35
